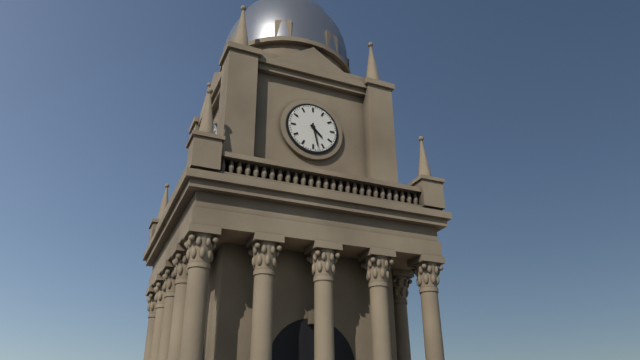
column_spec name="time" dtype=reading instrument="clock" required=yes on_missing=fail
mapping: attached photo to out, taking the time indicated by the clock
4:28
